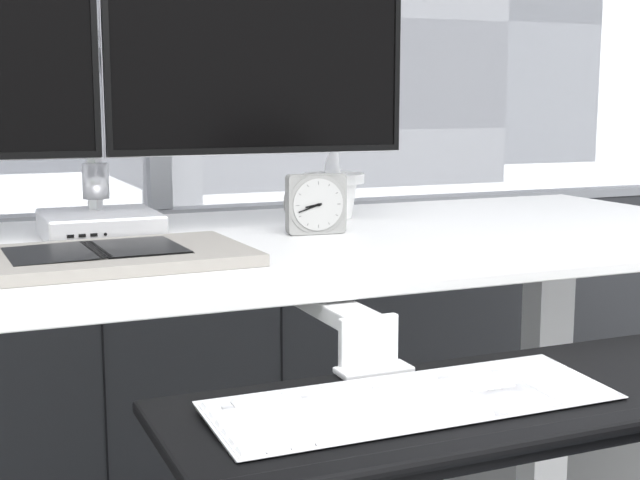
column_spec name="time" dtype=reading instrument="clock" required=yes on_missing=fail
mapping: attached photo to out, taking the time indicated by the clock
8:42
